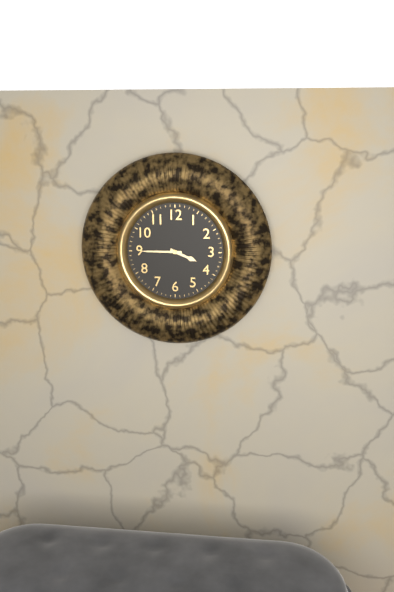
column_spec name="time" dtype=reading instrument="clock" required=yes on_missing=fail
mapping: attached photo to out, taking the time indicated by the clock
3:45
